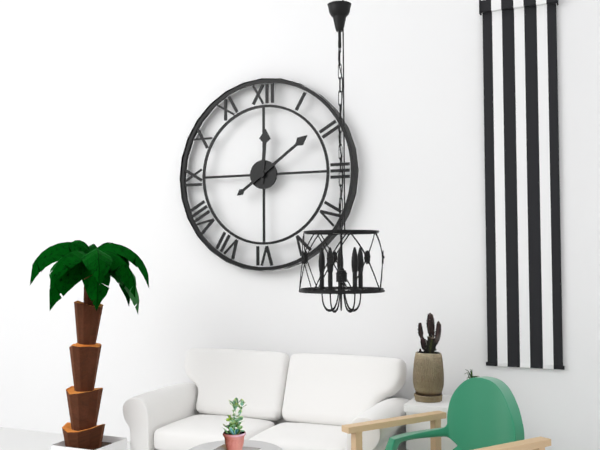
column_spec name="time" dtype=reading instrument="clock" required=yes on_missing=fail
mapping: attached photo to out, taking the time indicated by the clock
12:09
